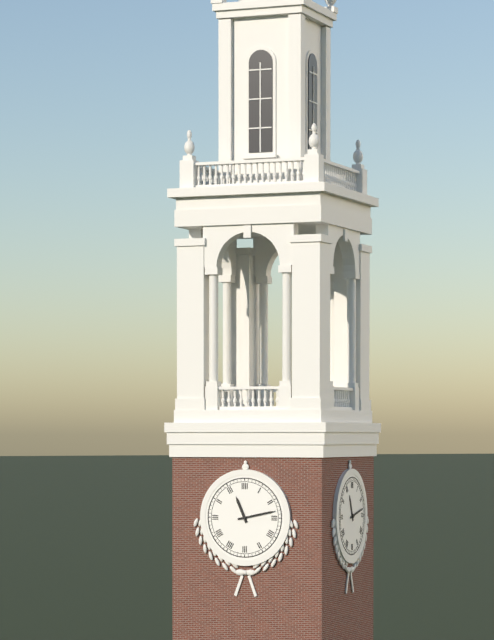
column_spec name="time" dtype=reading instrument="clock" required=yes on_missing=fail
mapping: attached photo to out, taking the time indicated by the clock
11:13
